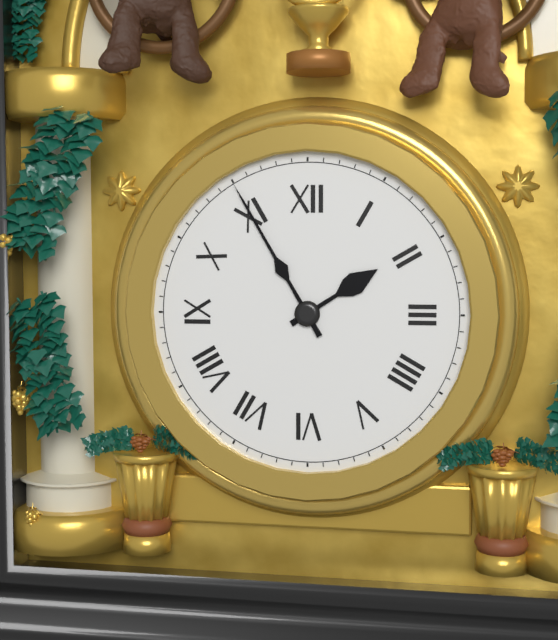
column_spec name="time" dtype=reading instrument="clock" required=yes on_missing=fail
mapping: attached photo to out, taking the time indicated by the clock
1:55
